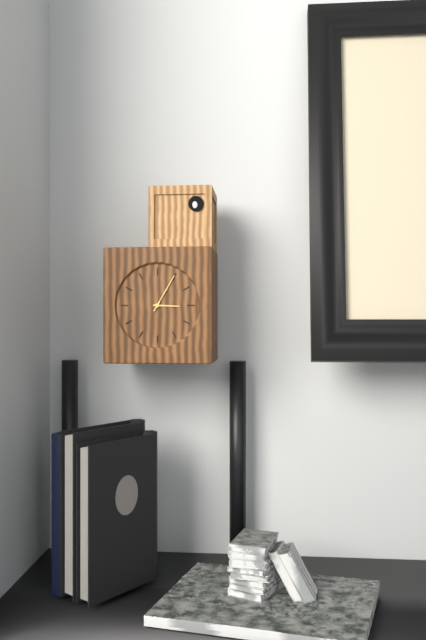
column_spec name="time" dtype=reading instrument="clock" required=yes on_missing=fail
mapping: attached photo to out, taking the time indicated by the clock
3:05
